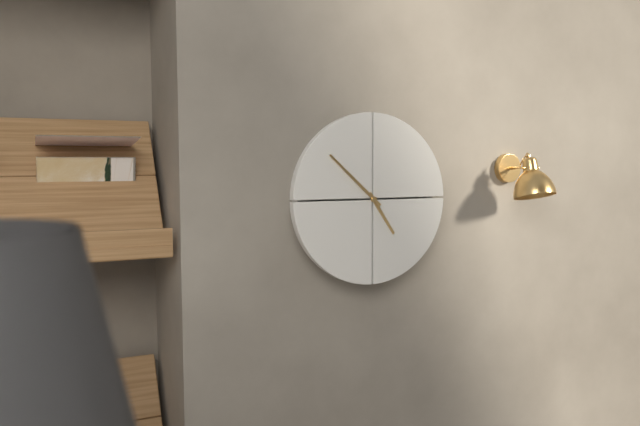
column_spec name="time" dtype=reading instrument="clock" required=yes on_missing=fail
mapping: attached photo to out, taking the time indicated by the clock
4:52
